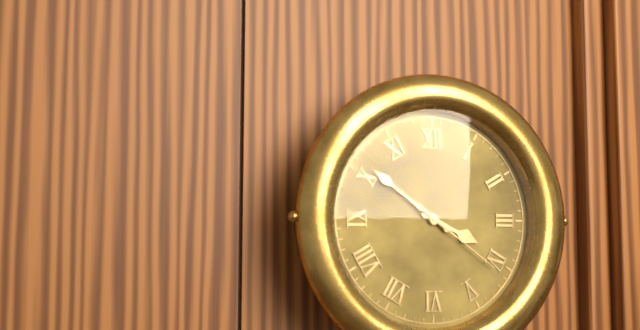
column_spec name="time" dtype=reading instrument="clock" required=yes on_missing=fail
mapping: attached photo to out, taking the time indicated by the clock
3:51:21
